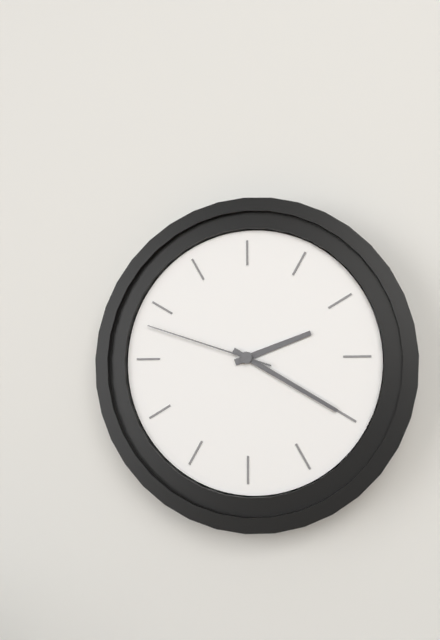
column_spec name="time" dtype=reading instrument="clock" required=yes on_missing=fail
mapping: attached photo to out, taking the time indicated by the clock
2:20:48
